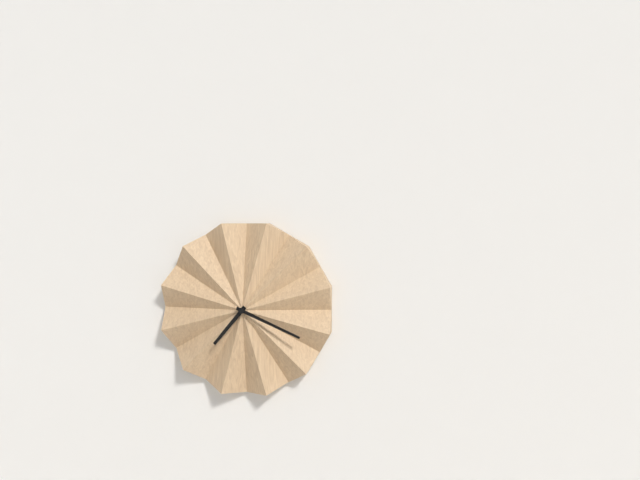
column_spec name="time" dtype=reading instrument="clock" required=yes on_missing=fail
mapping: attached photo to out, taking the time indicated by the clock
7:19
